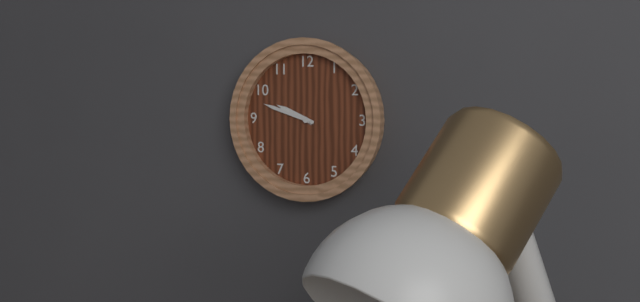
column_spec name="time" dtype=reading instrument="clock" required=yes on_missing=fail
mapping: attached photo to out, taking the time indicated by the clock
9:48
